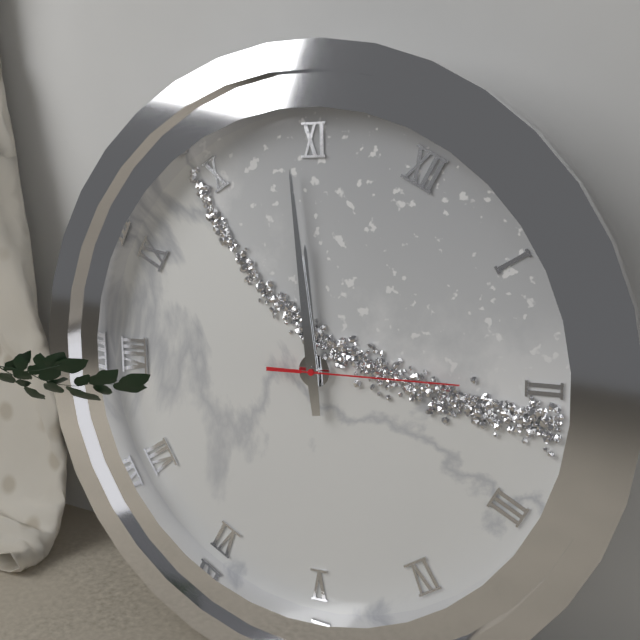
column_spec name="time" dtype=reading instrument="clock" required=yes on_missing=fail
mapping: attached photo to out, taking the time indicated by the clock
10:54:10
